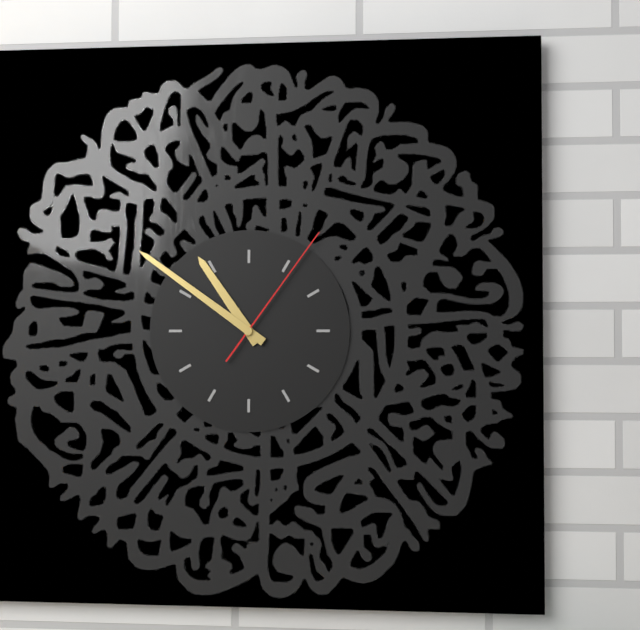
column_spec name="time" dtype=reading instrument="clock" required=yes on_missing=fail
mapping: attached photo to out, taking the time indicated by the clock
10:51:06
